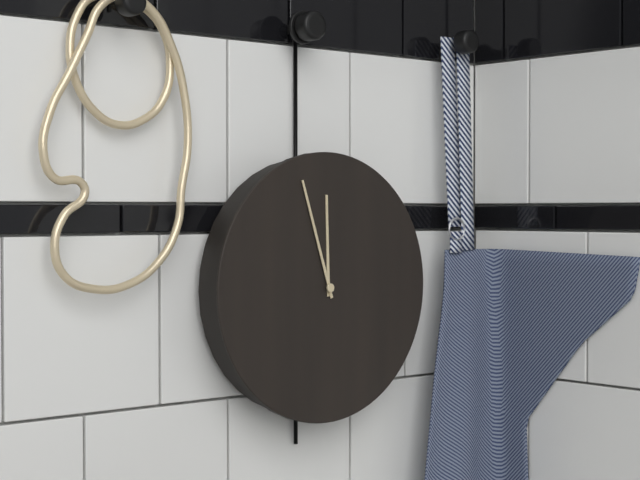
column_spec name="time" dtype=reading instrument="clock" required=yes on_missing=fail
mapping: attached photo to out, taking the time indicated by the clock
11:57
